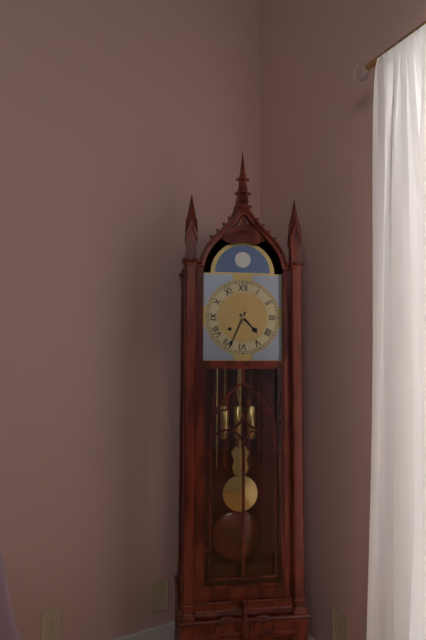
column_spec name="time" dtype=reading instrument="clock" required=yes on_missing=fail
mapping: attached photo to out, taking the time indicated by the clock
4:34
